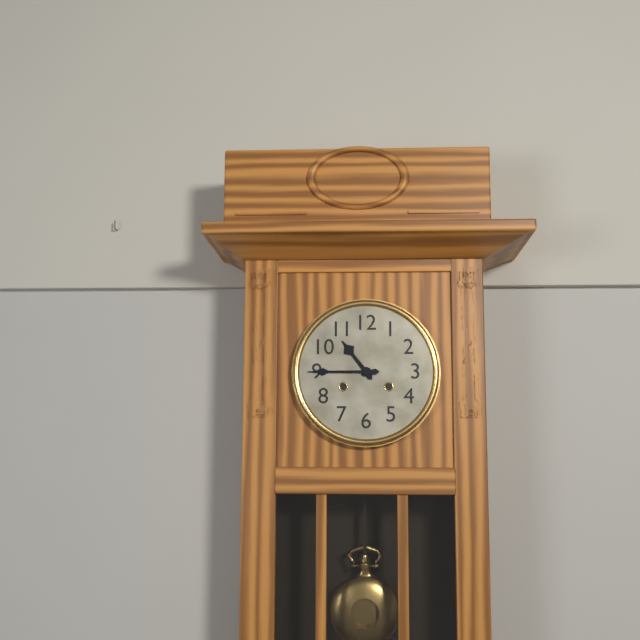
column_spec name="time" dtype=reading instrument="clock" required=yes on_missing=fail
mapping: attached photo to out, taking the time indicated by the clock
10:45
